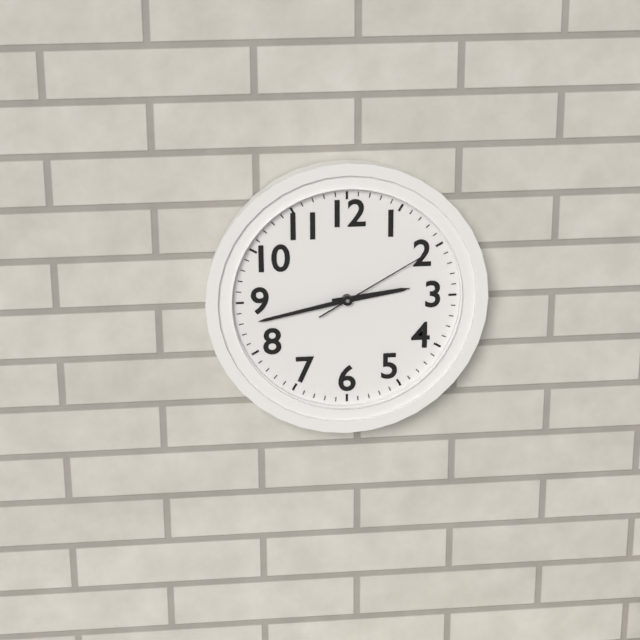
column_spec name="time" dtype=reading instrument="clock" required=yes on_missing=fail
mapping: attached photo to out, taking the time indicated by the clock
2:43:10
